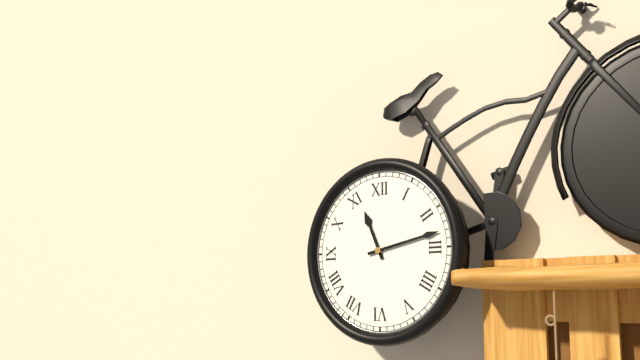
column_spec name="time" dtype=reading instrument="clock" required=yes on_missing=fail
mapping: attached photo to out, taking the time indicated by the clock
11:13
